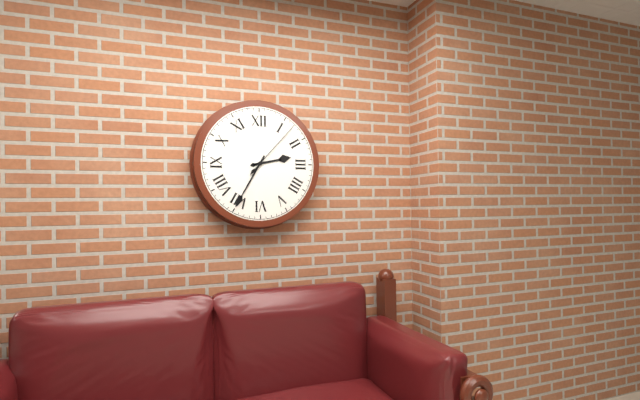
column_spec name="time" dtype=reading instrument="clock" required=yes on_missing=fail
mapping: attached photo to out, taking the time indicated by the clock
2:35:07
